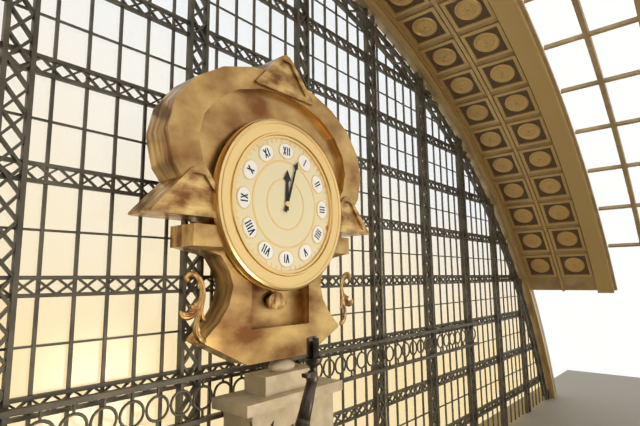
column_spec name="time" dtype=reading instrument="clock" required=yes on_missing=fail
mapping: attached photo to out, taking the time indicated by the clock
12:03
